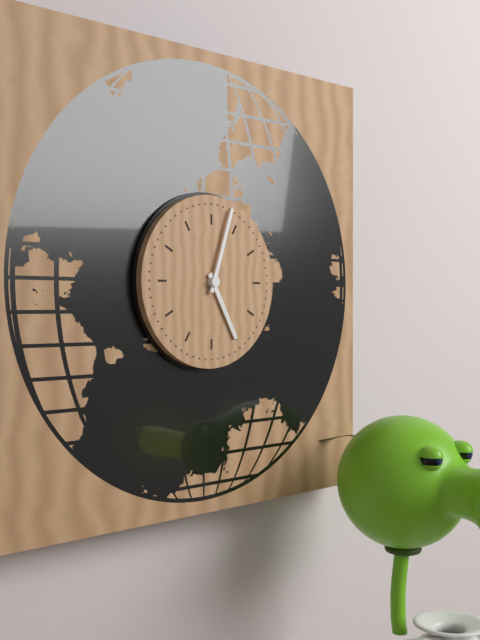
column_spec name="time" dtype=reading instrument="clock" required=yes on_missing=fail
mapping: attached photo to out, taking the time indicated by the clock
5:03
